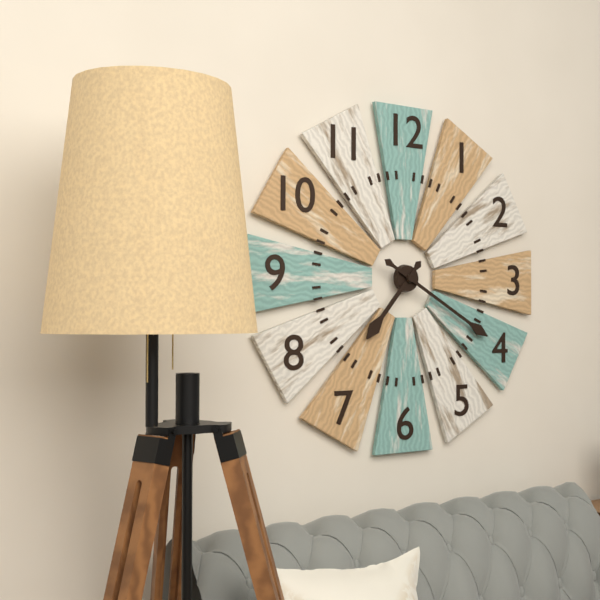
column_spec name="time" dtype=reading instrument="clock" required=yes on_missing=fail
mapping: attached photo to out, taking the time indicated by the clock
7:20
